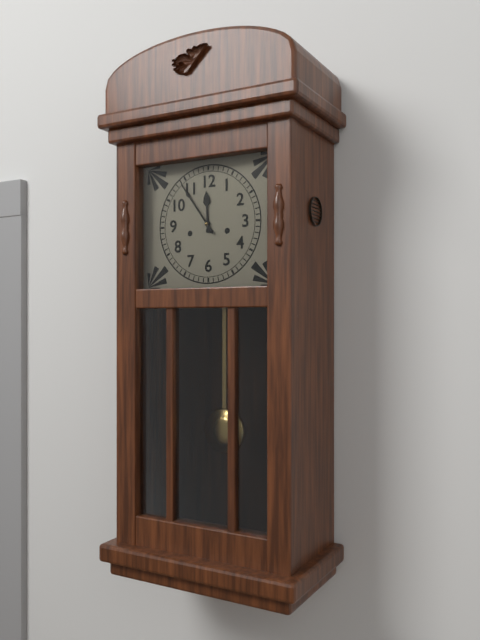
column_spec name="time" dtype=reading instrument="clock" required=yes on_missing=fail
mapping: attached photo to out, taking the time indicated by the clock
11:54
